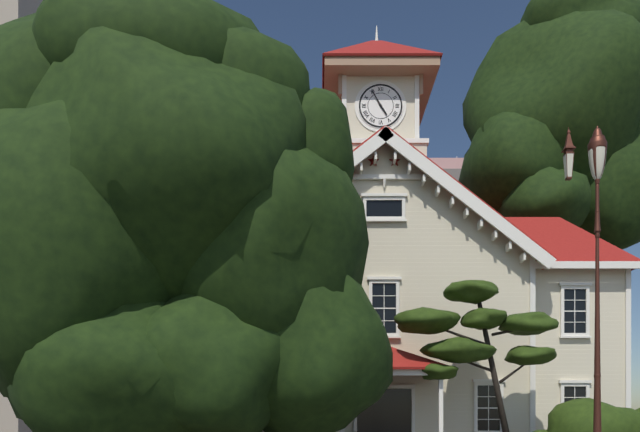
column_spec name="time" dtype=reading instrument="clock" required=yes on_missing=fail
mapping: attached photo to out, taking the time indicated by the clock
4:55
